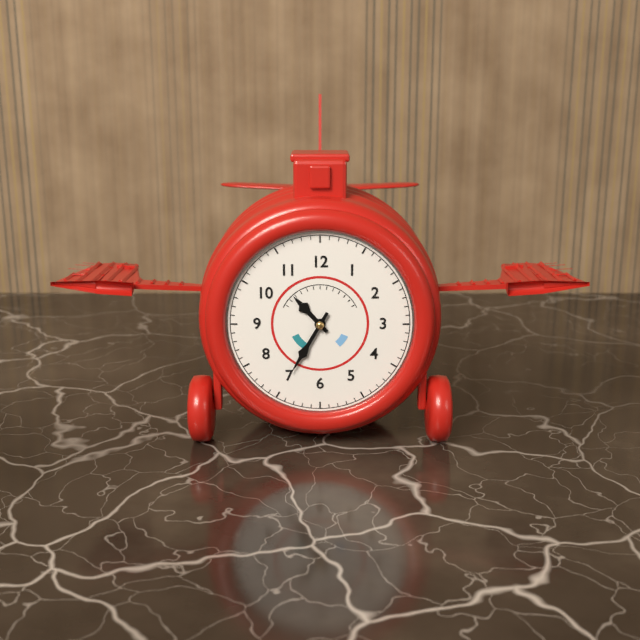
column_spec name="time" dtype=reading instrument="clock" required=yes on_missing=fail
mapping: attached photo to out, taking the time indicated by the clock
10:35
